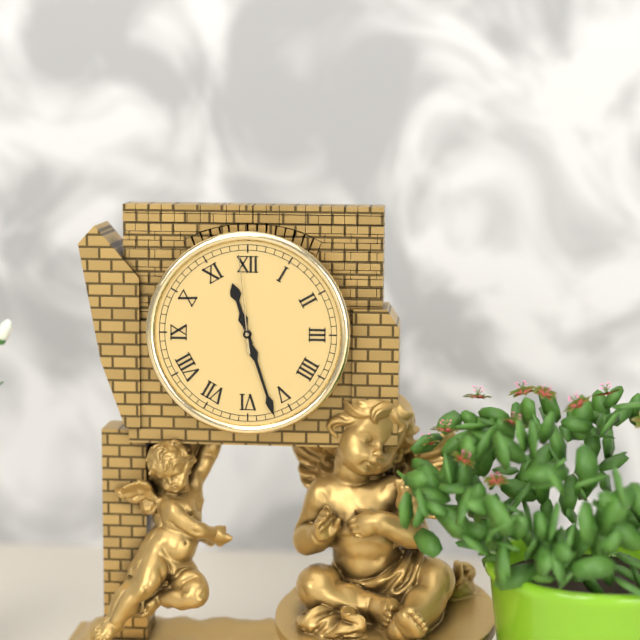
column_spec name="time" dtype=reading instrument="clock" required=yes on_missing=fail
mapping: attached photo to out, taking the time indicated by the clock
11:27:59
